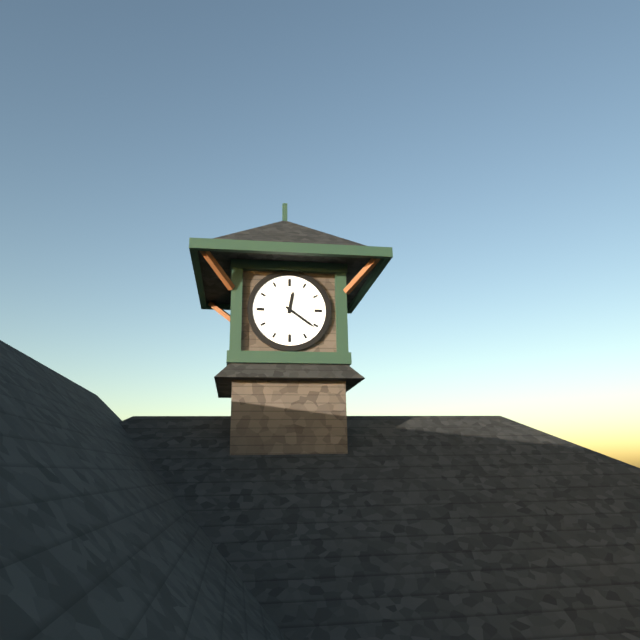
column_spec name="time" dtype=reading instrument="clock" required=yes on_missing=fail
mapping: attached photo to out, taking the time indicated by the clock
12:21
